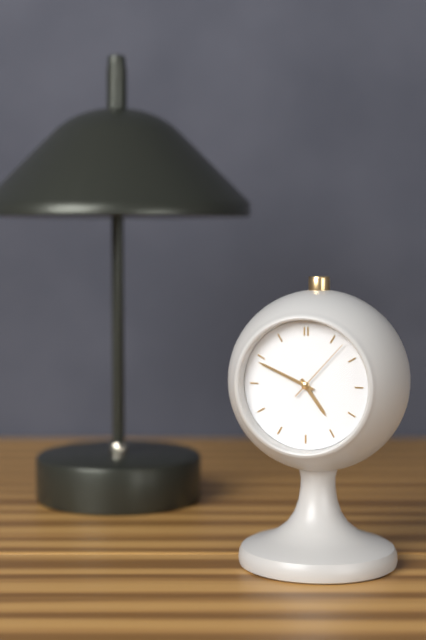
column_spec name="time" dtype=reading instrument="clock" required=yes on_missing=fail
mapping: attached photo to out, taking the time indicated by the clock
4:49:07
